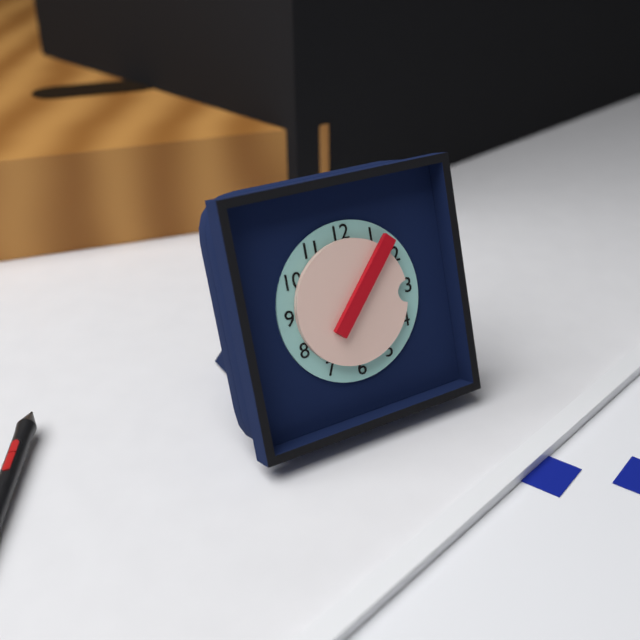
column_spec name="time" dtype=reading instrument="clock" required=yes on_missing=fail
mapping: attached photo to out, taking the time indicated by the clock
3:07
